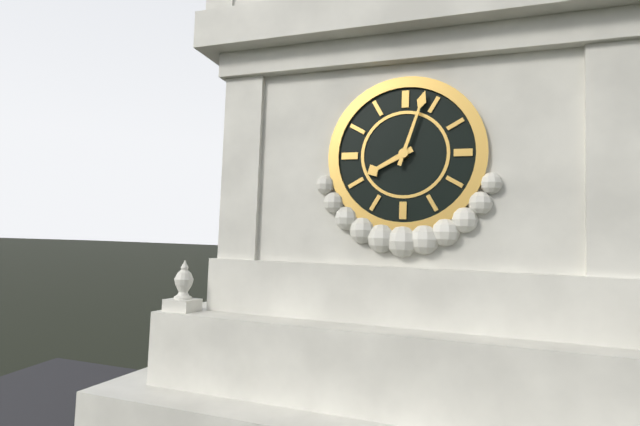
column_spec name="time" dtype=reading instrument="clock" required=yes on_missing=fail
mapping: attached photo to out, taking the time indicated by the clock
8:03
